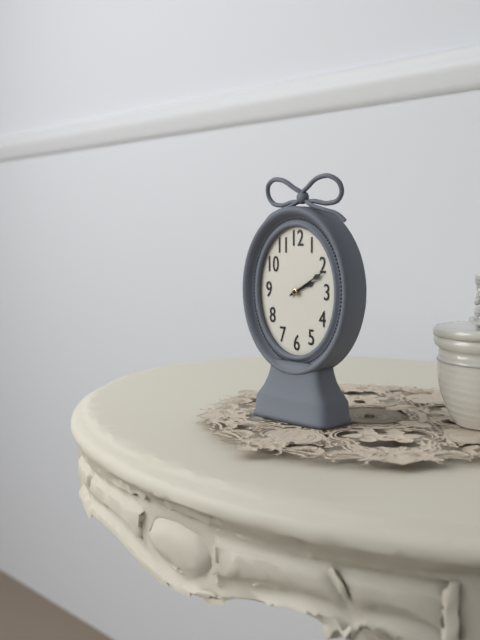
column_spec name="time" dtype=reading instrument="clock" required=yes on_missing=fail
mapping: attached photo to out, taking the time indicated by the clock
2:10
